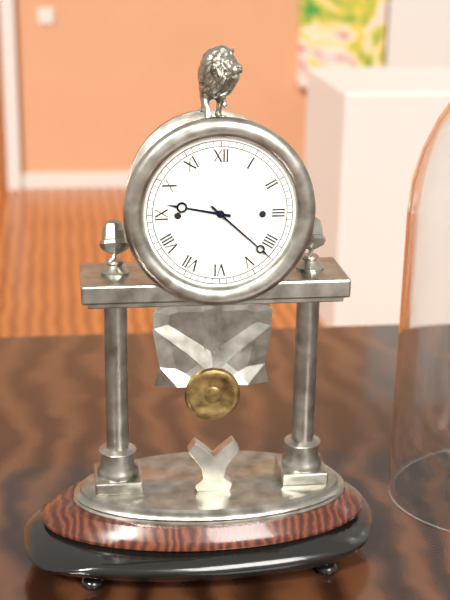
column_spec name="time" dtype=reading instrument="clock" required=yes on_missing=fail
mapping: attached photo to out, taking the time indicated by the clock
9:22
